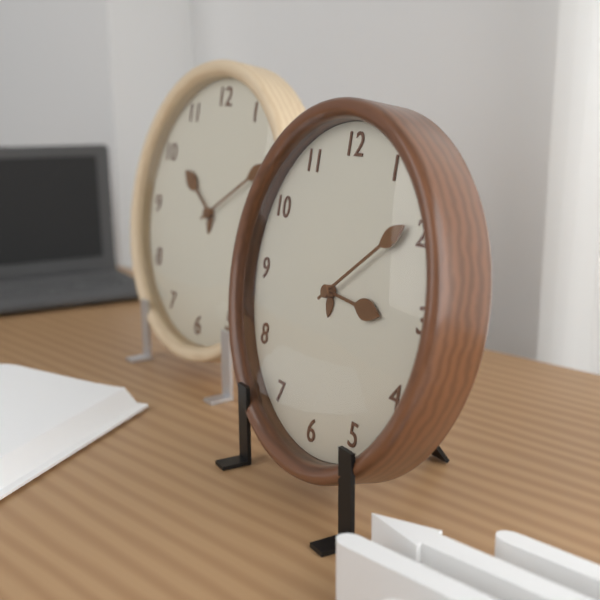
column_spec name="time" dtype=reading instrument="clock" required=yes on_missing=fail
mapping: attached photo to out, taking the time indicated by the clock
3:09
